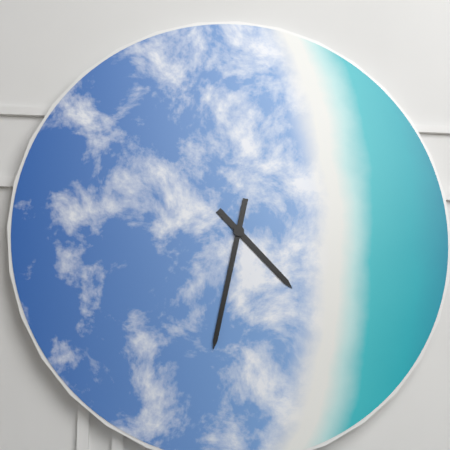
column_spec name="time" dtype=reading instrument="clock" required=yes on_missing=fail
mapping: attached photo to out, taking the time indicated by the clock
4:32
